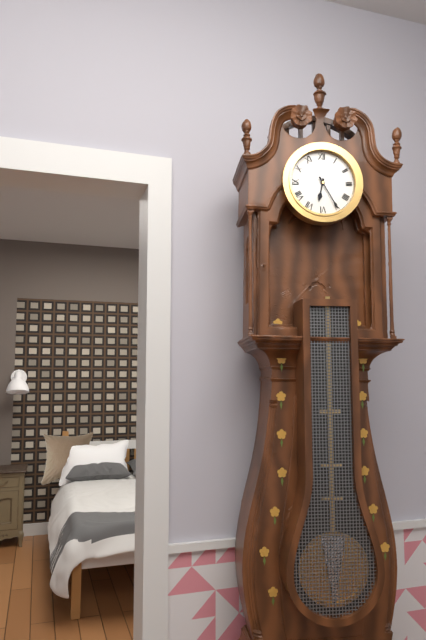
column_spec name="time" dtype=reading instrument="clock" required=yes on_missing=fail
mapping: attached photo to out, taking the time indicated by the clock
6:25
